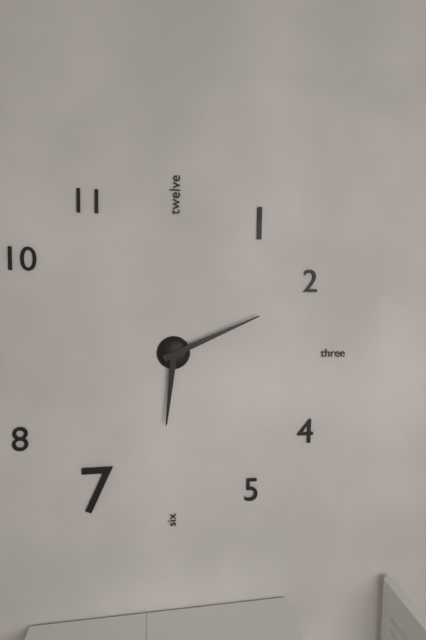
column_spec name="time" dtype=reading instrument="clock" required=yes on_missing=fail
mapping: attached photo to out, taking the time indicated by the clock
6:11
